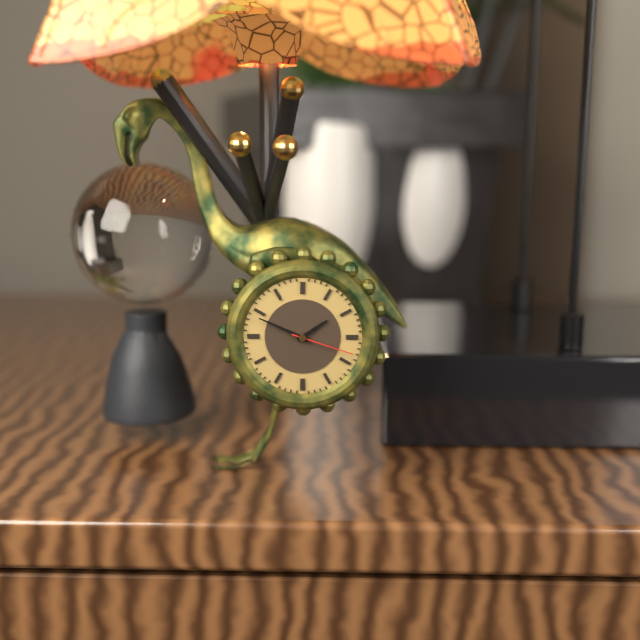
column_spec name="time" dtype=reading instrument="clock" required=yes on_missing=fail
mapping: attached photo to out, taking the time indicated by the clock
1:49:18
